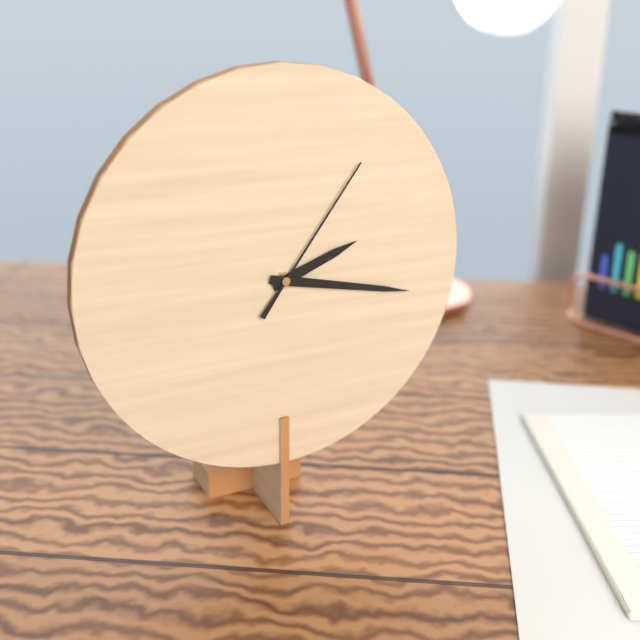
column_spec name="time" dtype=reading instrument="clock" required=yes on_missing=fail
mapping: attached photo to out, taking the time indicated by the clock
2:17:06
